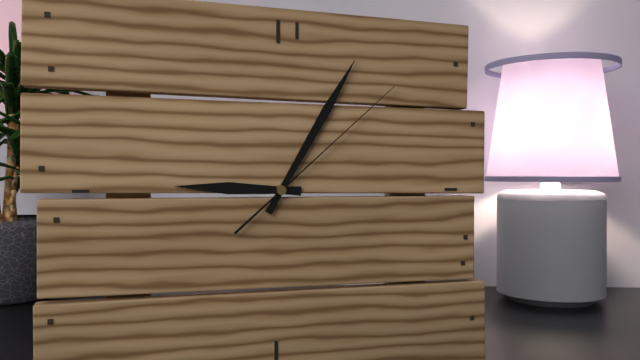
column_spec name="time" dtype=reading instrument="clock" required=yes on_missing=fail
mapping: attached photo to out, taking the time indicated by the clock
9:05:08
